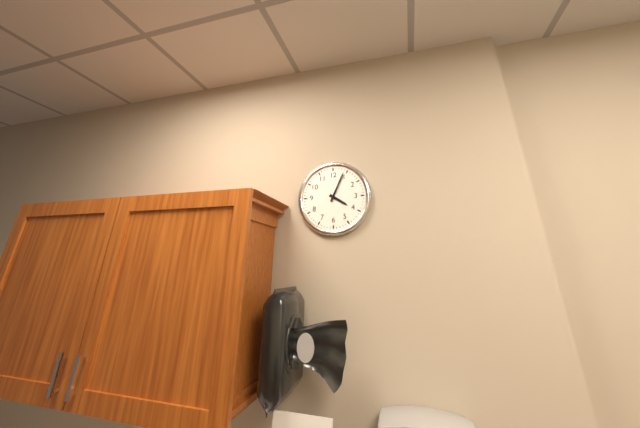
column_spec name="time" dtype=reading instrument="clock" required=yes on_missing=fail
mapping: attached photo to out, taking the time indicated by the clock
4:04
